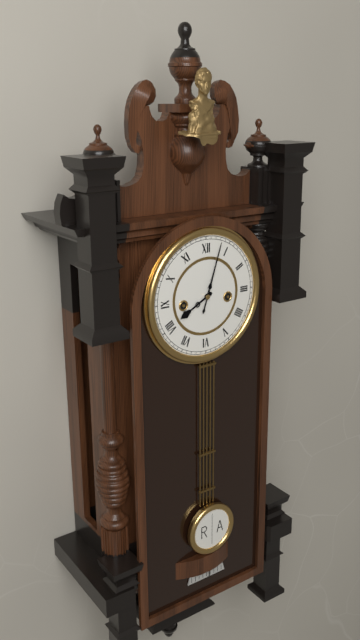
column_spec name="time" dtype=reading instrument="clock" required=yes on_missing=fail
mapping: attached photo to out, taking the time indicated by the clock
8:03
